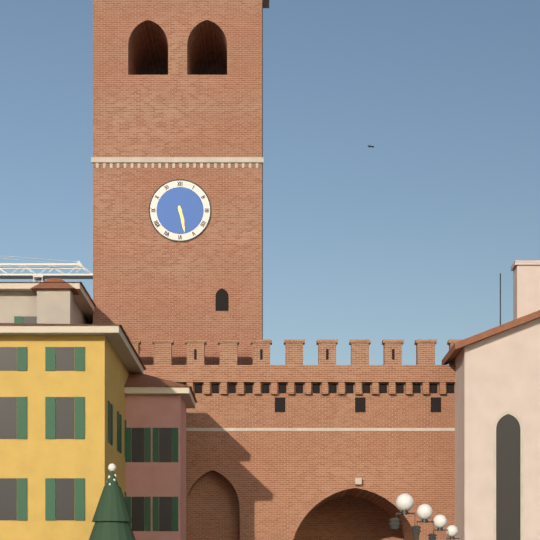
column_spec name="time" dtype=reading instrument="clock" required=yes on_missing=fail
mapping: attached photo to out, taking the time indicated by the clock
5:28
